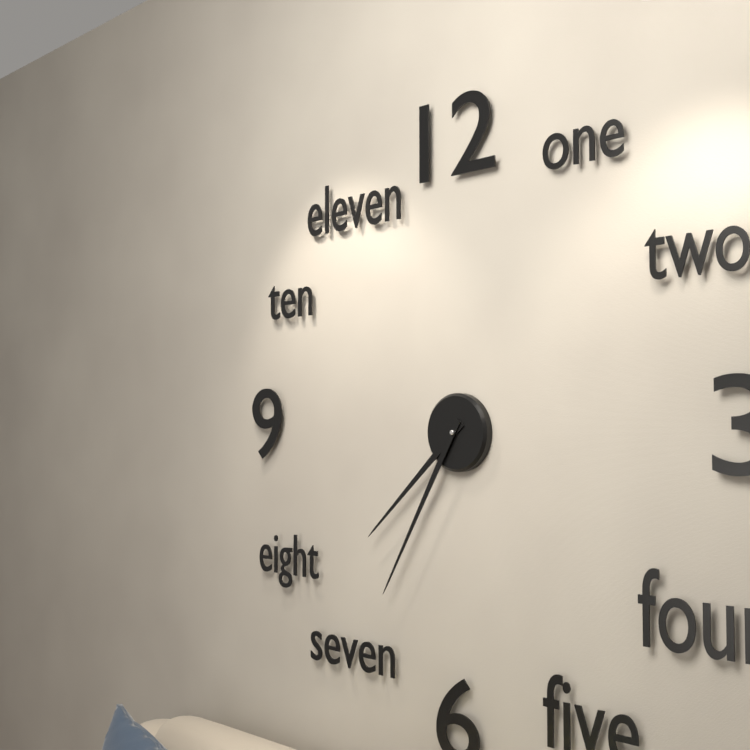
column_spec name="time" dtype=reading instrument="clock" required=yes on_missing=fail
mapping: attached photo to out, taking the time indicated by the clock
7:35
